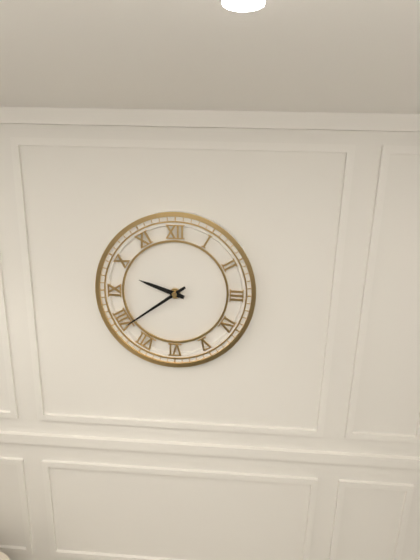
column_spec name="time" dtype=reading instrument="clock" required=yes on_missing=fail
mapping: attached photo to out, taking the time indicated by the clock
9:39
